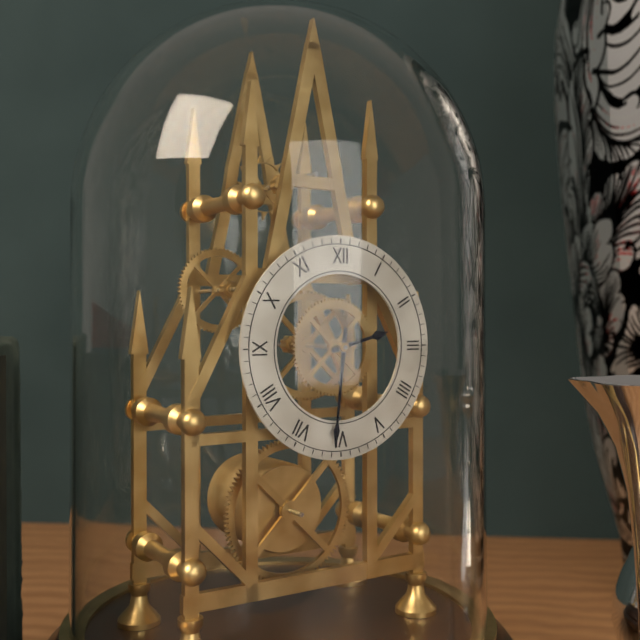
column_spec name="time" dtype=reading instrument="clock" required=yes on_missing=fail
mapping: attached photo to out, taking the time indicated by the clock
2:31
